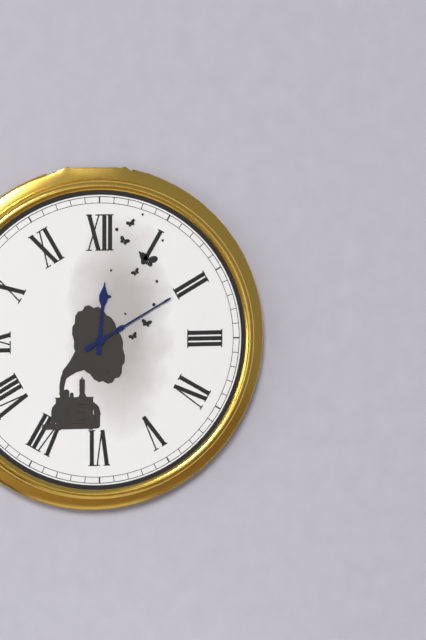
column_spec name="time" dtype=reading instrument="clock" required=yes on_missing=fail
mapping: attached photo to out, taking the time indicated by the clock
12:10
